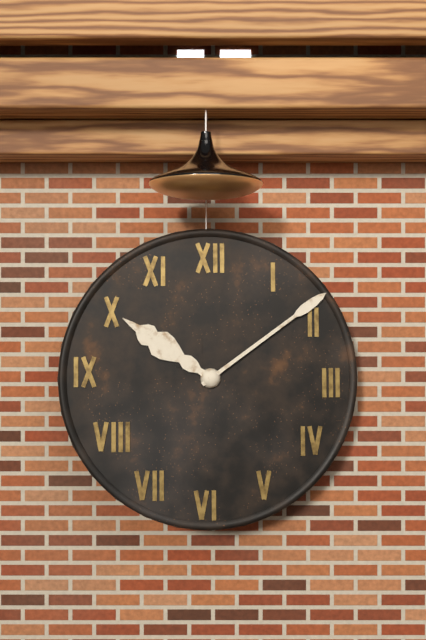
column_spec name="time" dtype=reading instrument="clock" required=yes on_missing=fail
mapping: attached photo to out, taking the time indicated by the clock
10:09
